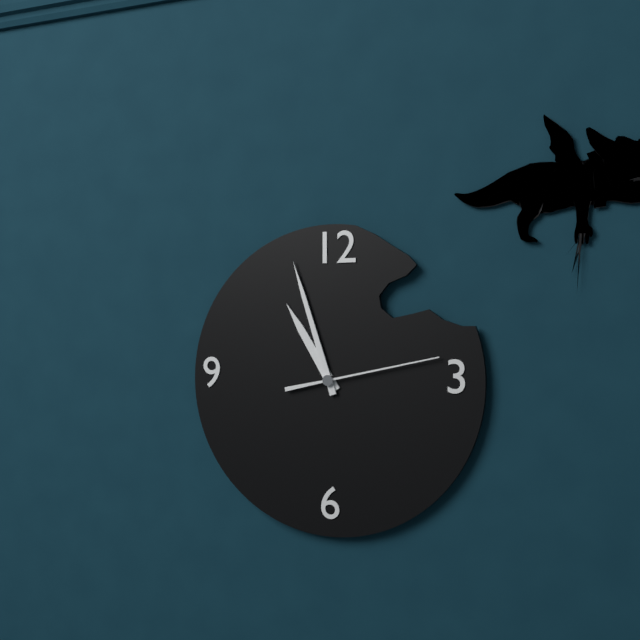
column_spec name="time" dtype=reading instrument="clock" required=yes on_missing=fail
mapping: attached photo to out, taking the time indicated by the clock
10:57:13
